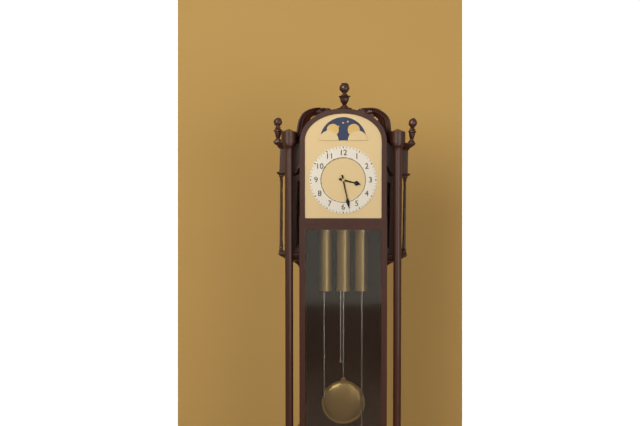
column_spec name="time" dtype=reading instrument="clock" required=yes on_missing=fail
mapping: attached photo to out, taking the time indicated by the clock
3:28
